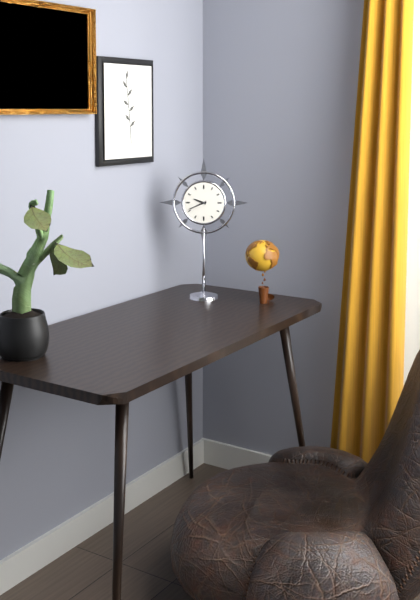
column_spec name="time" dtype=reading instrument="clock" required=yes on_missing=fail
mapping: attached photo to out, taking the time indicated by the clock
9:41
